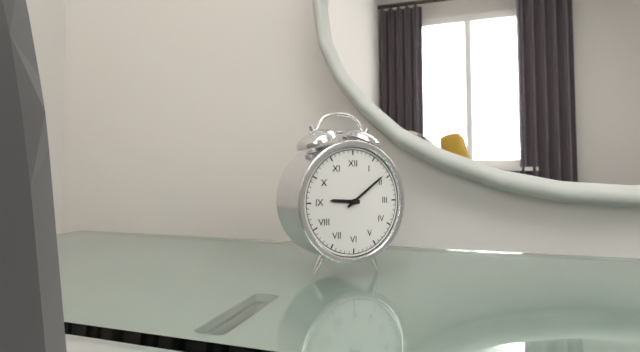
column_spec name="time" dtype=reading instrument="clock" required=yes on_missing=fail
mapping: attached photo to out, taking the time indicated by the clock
9:09
